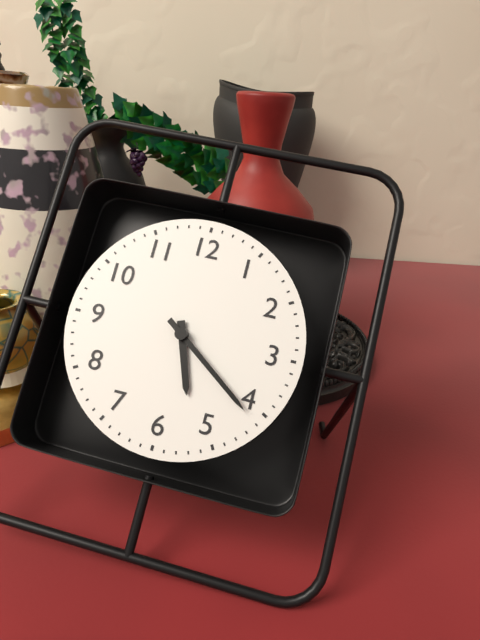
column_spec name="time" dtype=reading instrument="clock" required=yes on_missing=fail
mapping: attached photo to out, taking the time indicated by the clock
5:21
